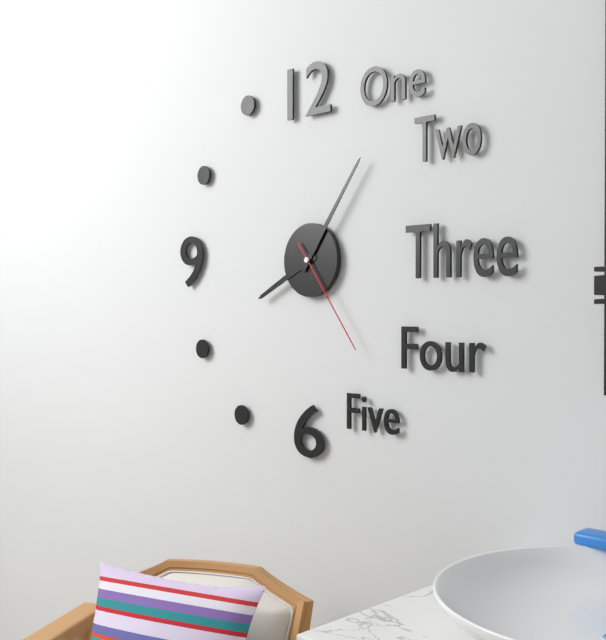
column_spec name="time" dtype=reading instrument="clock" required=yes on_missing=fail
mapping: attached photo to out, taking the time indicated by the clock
8:06:24
